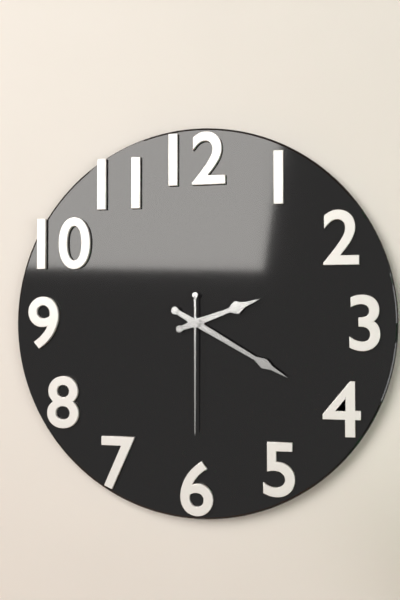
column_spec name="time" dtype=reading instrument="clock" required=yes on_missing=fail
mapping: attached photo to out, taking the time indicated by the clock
2:20:30
